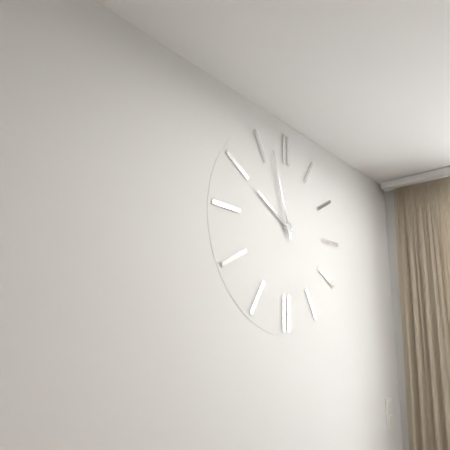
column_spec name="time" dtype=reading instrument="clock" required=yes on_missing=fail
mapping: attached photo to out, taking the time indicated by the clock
9:57
